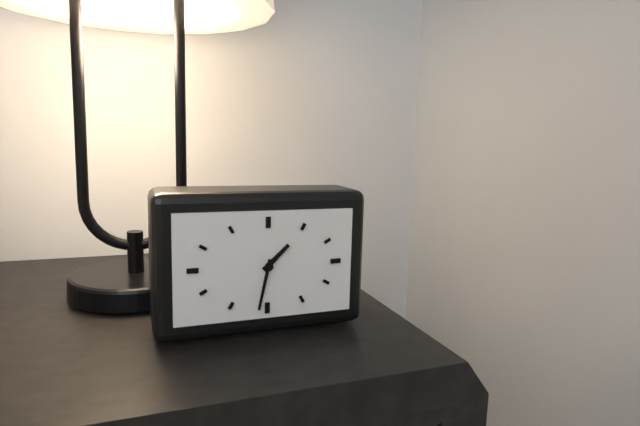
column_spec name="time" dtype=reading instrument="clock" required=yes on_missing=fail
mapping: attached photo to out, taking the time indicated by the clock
1:32
